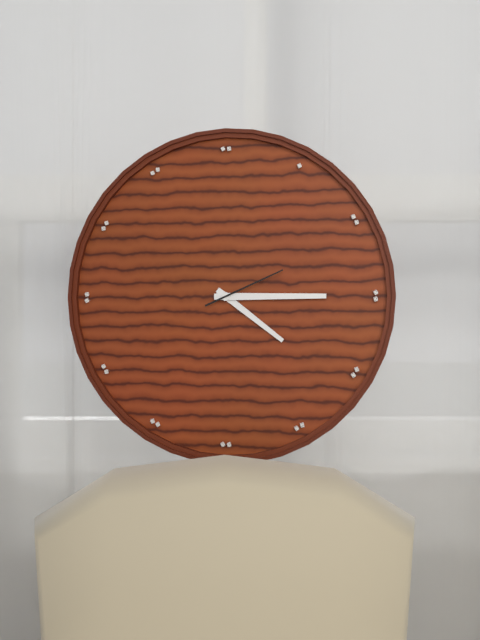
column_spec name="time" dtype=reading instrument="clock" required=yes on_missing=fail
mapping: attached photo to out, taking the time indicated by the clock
4:15:11
